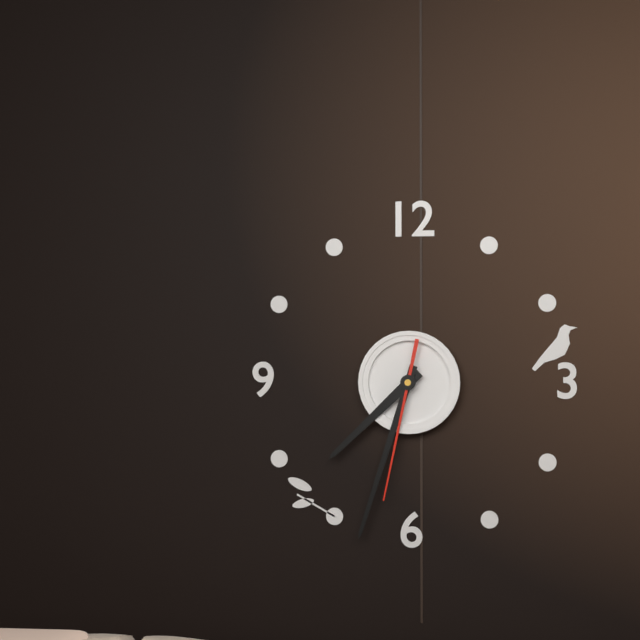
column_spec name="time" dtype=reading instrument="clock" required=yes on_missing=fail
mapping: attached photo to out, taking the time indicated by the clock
7:33:32
